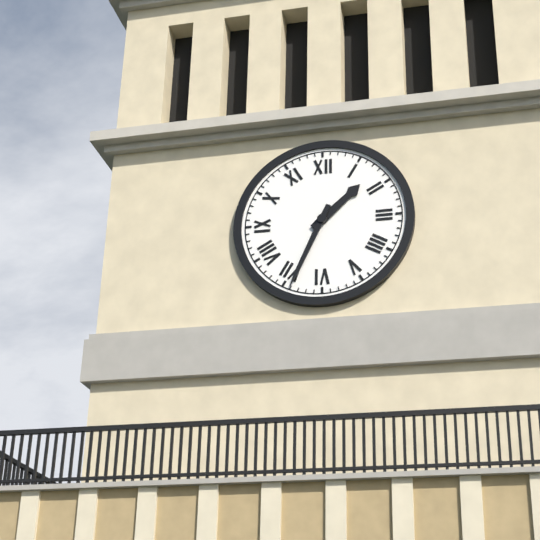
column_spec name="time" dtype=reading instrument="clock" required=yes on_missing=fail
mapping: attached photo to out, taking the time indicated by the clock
1:34
